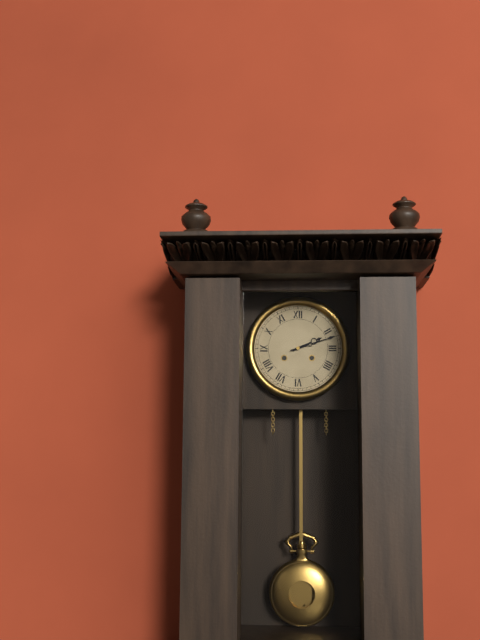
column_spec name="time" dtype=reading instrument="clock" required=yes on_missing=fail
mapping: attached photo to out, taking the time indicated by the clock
2:12
